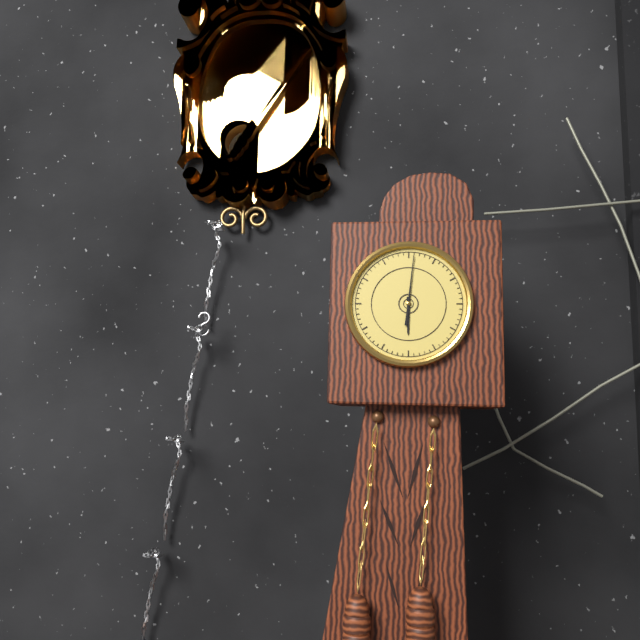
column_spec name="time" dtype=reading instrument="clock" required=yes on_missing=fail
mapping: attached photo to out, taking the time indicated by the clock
6:01
